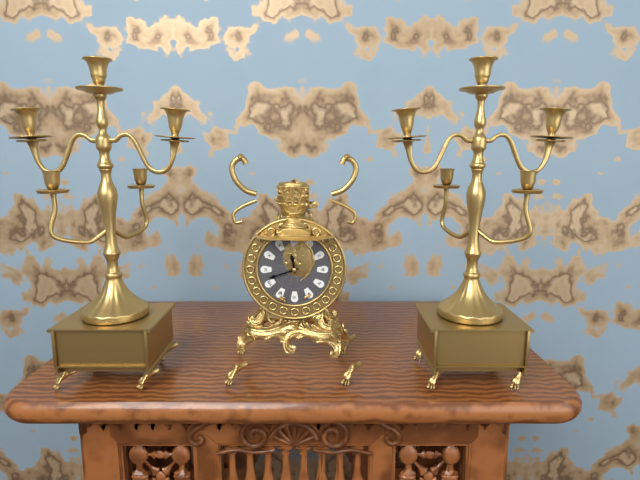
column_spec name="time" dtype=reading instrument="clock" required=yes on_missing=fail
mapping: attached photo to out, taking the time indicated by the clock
11:42
